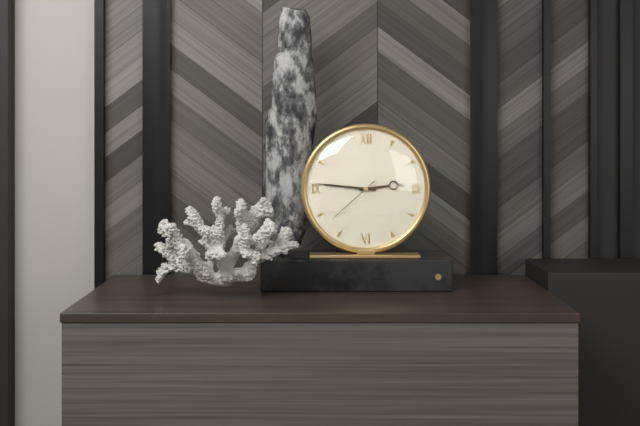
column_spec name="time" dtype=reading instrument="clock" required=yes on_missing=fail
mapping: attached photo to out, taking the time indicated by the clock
2:46:38
